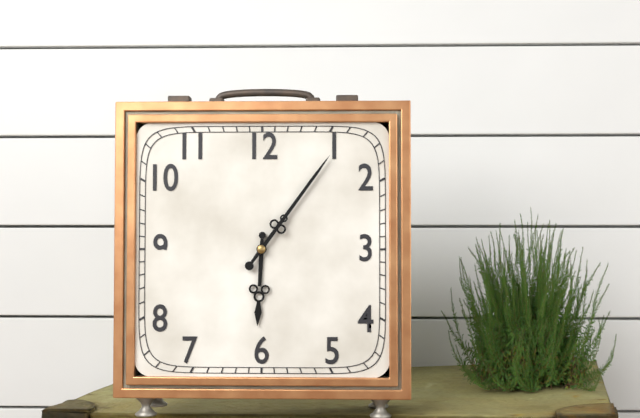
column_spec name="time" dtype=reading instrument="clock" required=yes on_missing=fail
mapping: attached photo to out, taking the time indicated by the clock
6:06
